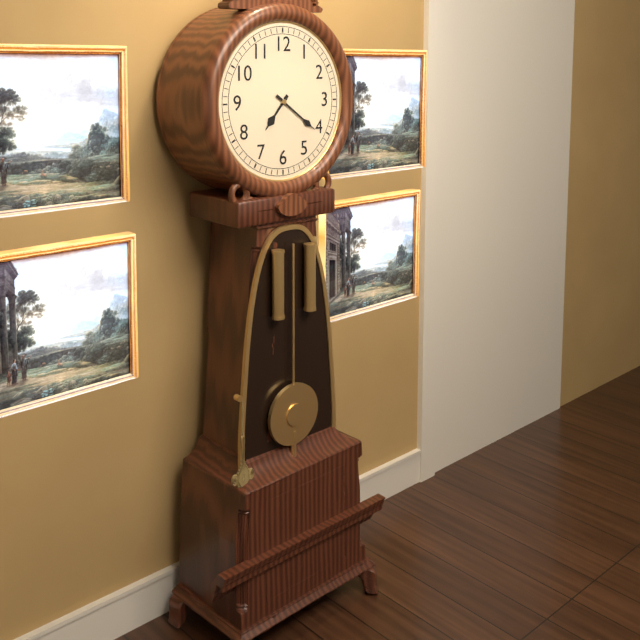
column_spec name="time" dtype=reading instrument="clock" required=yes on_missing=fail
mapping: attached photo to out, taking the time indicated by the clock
7:21
